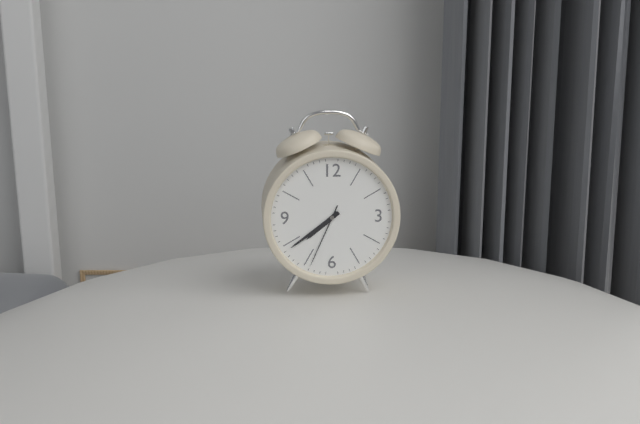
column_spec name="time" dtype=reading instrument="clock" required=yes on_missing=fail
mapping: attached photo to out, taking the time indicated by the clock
7:39:34
